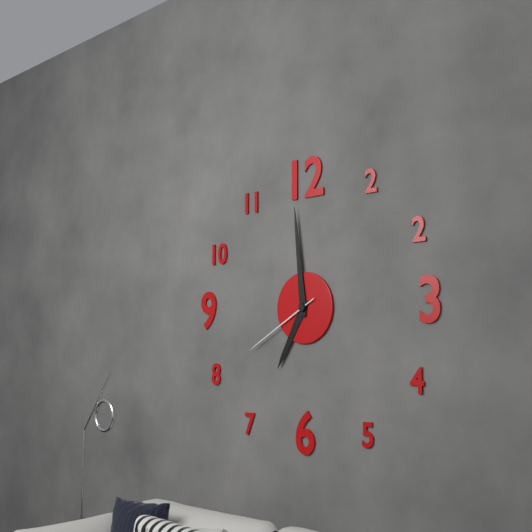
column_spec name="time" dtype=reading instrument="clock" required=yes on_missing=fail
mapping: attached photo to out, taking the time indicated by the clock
6:59:40
